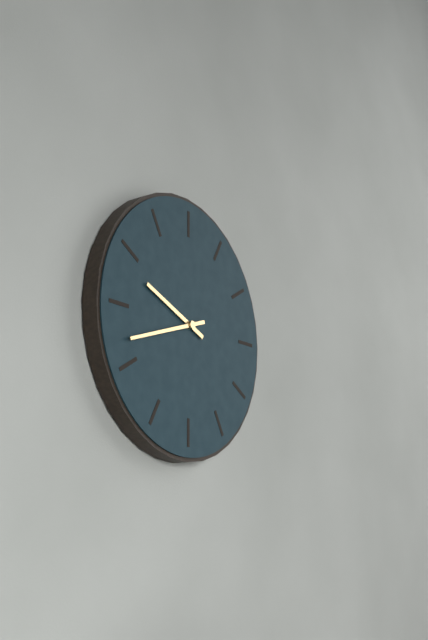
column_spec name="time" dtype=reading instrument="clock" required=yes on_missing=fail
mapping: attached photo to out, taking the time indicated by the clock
9:42
